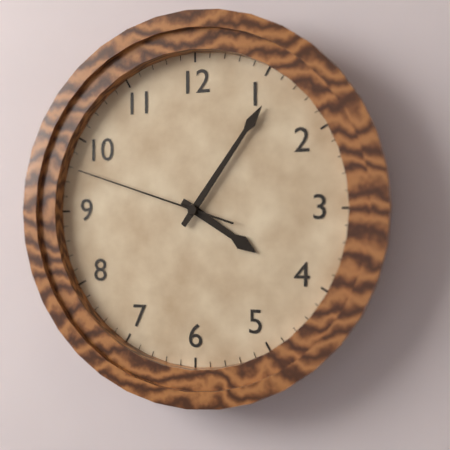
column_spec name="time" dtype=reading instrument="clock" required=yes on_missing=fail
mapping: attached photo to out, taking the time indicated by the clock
4:06:48
